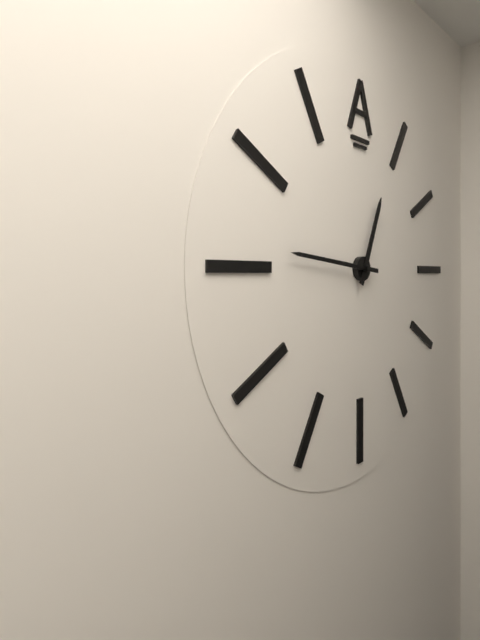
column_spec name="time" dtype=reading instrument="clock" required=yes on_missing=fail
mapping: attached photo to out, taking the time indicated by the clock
12:46
